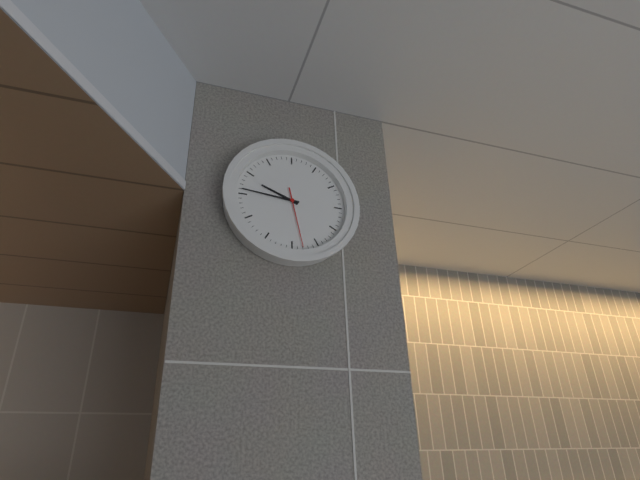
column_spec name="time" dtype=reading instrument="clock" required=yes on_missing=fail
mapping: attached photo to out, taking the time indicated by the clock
9:46:28
